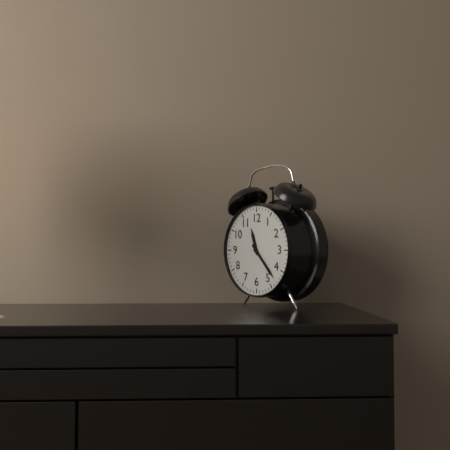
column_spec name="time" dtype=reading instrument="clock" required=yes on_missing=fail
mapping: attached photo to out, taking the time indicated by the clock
11:23
